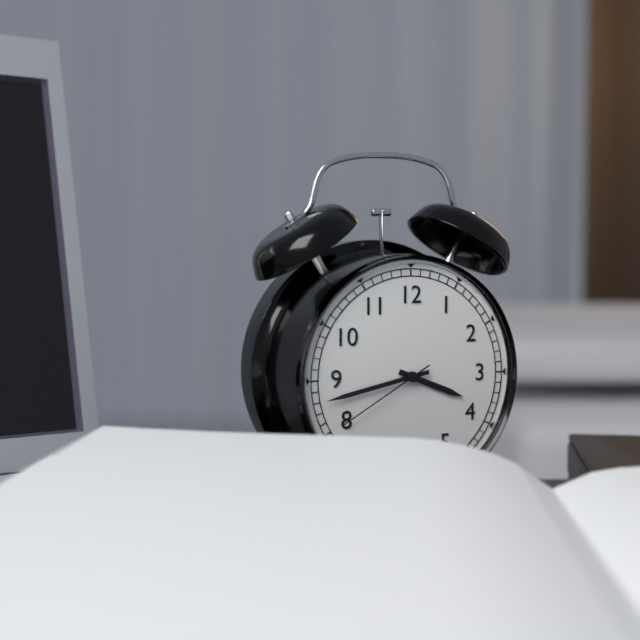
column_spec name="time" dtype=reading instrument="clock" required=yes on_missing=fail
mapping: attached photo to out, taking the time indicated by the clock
3:43:40
